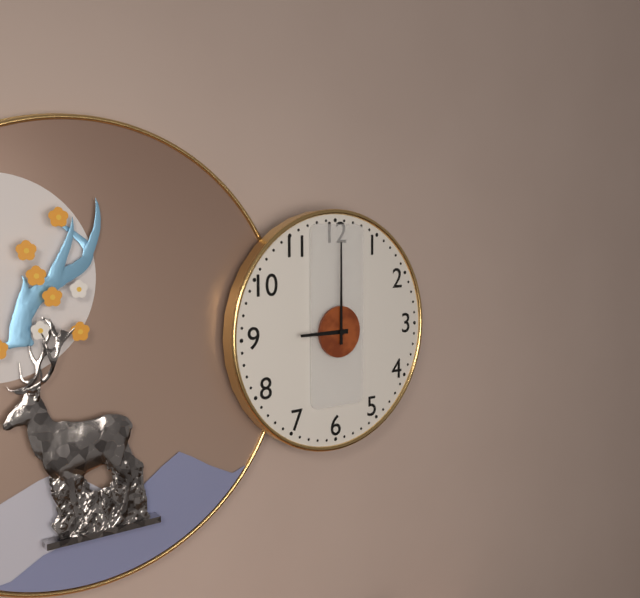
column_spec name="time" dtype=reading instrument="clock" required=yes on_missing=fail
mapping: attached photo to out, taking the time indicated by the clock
9:00
